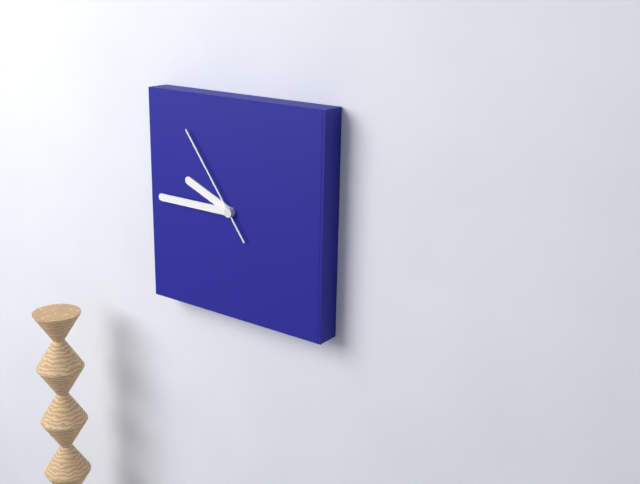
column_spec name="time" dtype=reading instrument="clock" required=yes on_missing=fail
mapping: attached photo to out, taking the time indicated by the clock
9:45:54
